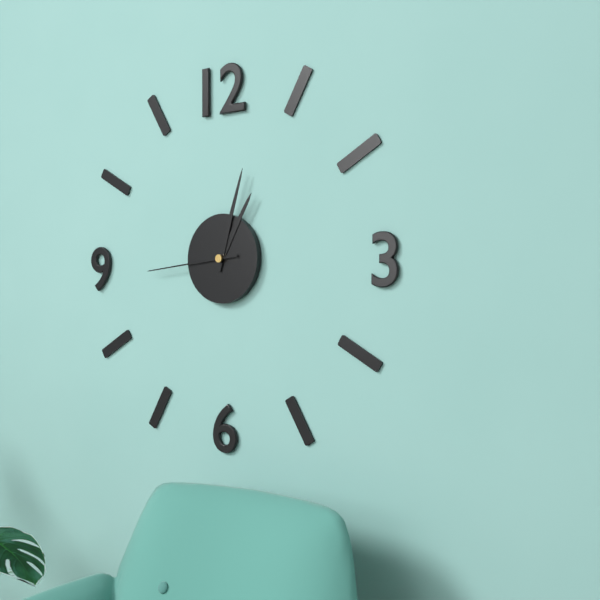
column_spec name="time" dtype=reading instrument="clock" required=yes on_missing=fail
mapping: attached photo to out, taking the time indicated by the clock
1:03:44
